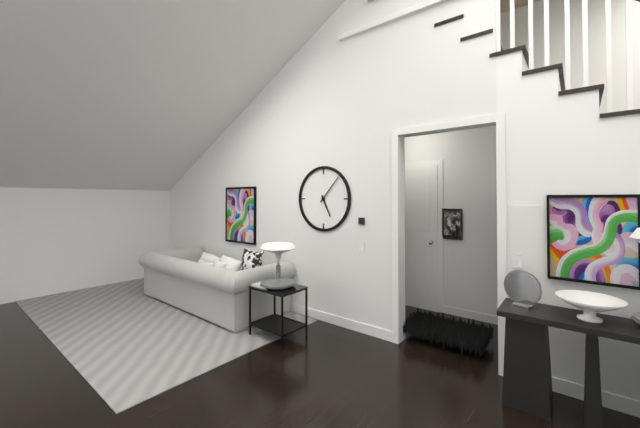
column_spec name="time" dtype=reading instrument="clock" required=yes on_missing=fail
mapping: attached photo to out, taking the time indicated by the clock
5:07
